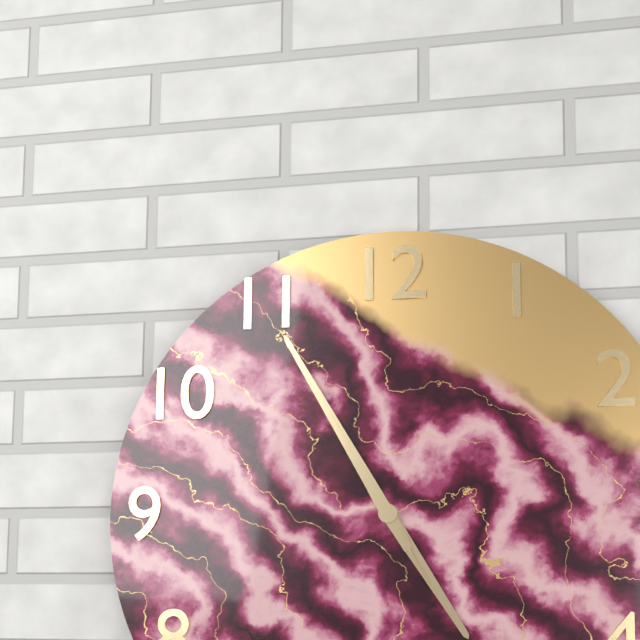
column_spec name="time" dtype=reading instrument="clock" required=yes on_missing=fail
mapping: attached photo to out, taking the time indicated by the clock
4:55:55
